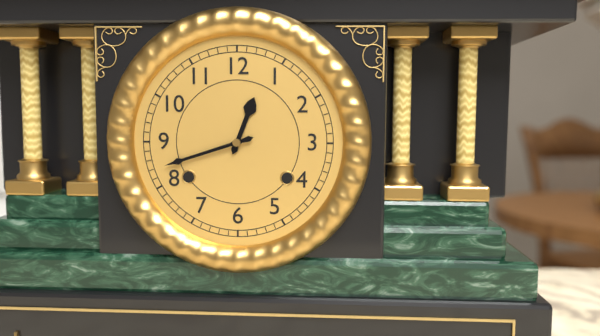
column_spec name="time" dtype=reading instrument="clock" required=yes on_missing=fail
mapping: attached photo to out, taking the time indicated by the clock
12:42
